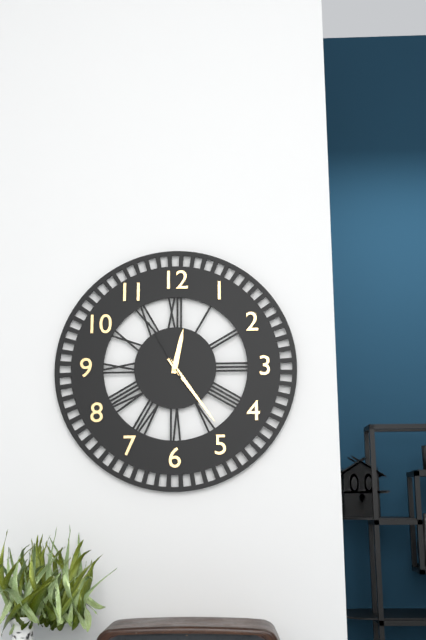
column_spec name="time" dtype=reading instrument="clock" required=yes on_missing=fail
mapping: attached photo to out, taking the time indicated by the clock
12:24:55
